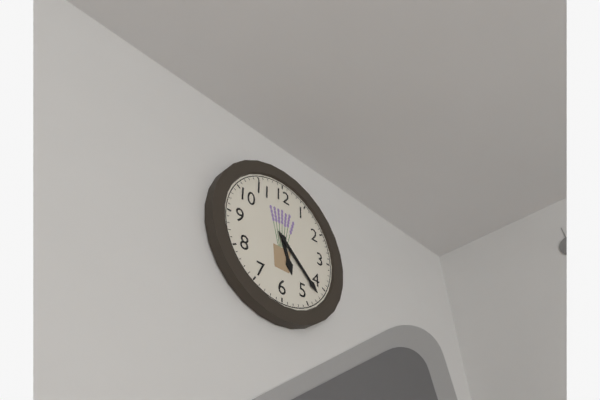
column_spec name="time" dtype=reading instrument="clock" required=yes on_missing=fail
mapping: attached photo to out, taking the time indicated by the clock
5:22
